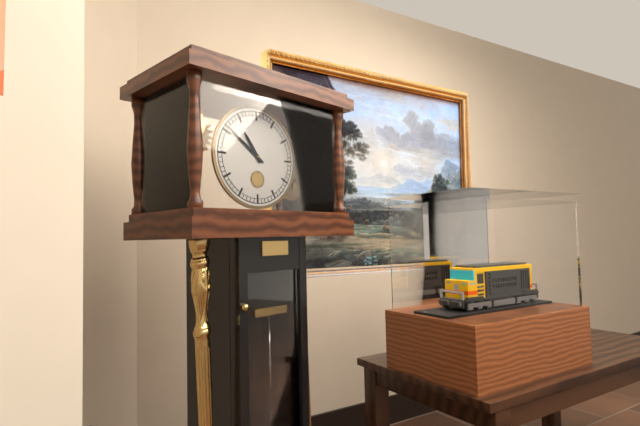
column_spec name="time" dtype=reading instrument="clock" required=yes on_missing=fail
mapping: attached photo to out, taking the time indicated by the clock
10:51
